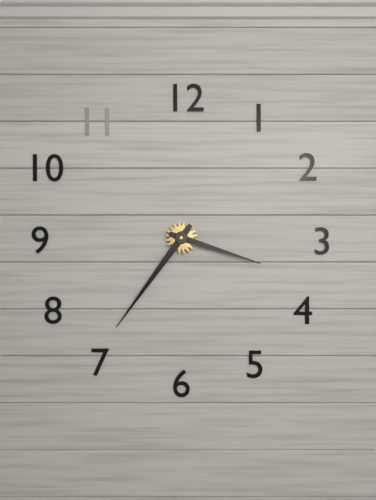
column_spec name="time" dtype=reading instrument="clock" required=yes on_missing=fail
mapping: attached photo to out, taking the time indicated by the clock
3:36
